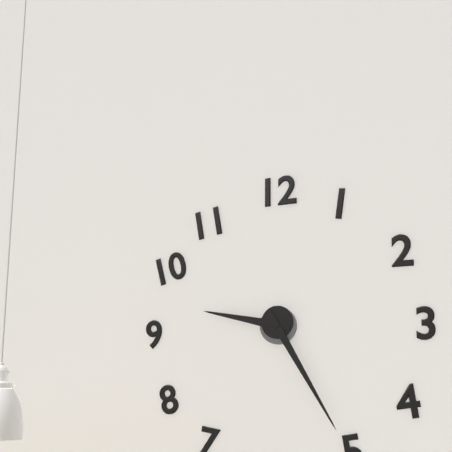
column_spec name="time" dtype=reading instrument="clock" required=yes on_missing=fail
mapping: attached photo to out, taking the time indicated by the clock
9:25
